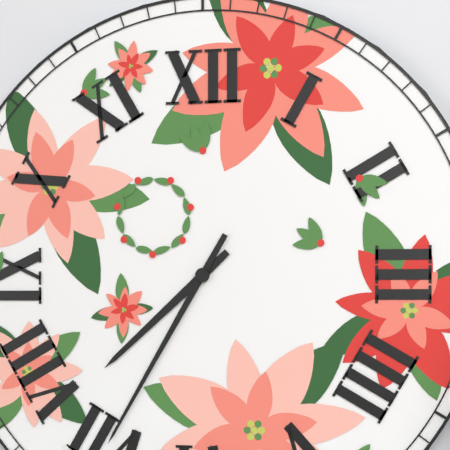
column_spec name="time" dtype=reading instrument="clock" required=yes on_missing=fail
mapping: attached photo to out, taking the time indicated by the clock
7:35
